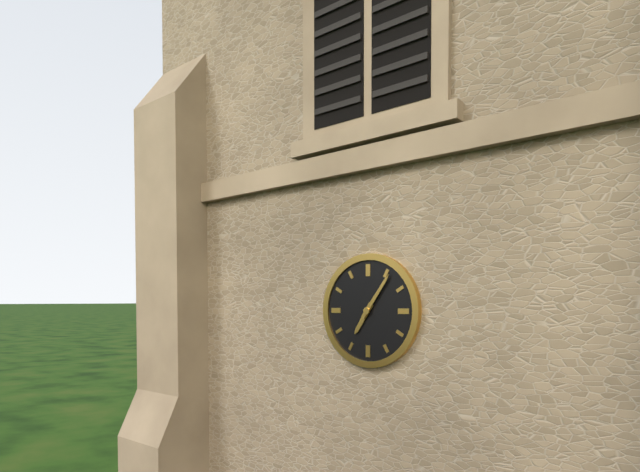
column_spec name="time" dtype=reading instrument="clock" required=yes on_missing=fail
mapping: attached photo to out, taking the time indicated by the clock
7:06
